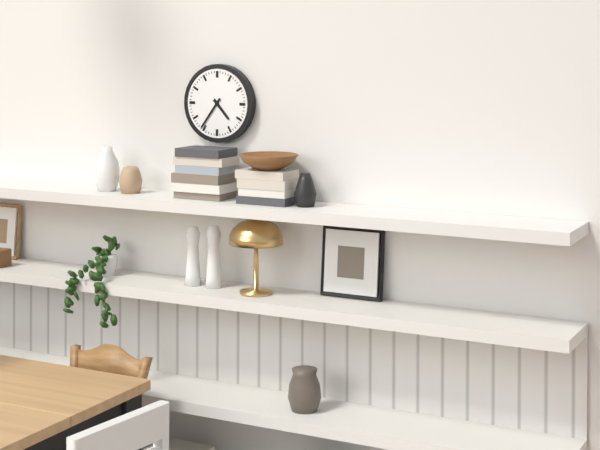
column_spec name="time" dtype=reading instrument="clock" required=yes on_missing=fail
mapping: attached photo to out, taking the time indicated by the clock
4:36
